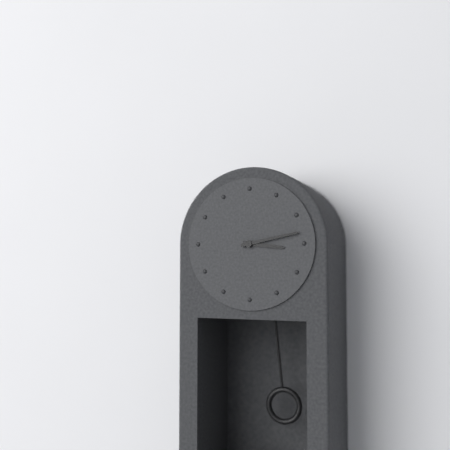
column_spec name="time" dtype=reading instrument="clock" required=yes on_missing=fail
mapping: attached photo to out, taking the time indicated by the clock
3:13
